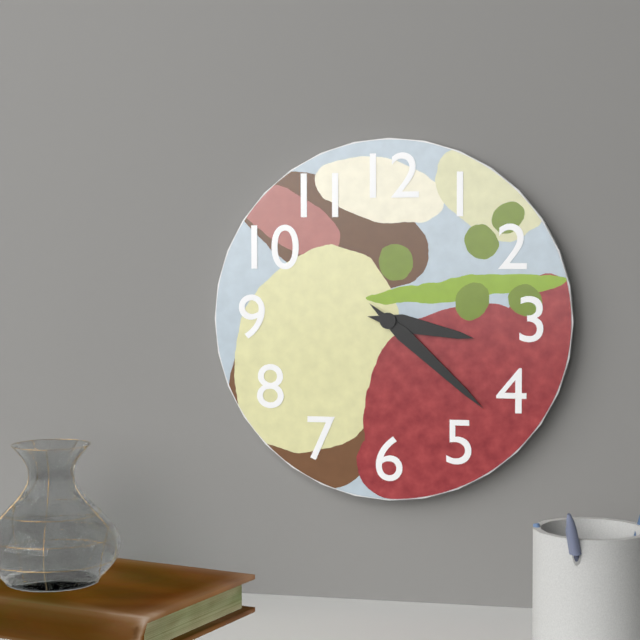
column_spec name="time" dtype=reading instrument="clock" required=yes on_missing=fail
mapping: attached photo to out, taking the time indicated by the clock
3:22
